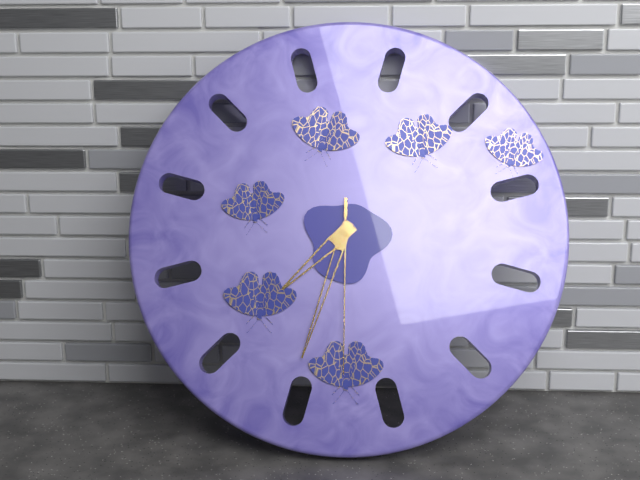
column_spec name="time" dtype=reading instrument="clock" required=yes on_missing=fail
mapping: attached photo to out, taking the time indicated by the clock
7:33:30
